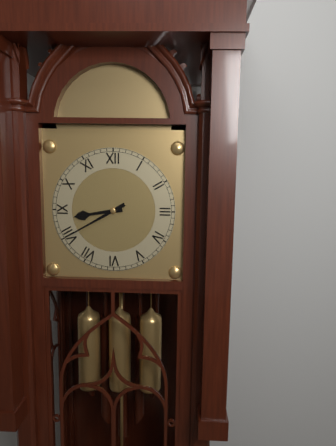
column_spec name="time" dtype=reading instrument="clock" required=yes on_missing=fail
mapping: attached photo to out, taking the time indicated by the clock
8:40
